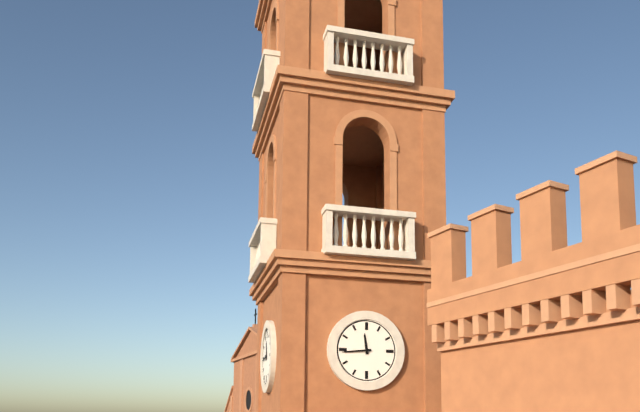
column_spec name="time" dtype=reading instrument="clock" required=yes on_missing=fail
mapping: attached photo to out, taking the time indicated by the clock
11:44
